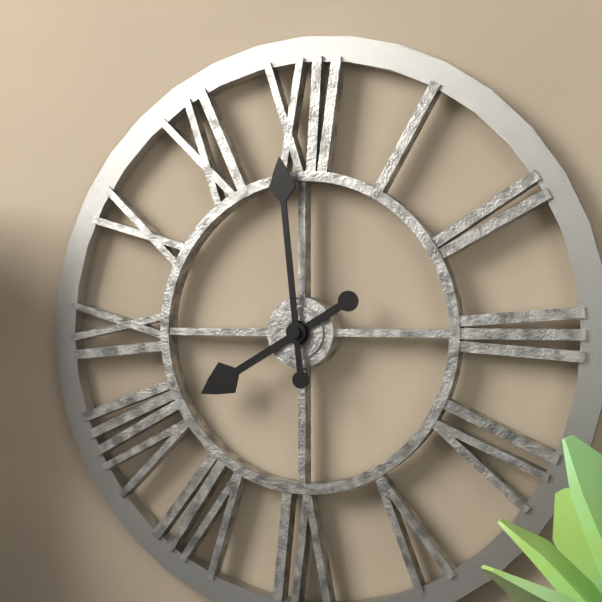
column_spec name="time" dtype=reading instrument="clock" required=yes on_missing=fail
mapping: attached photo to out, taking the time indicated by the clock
7:59
